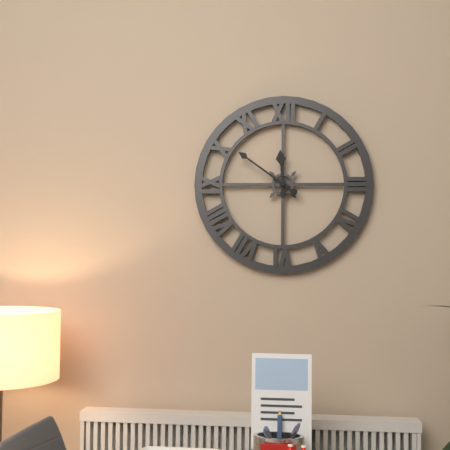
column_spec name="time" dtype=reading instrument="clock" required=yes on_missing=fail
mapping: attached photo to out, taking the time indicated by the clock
11:51
